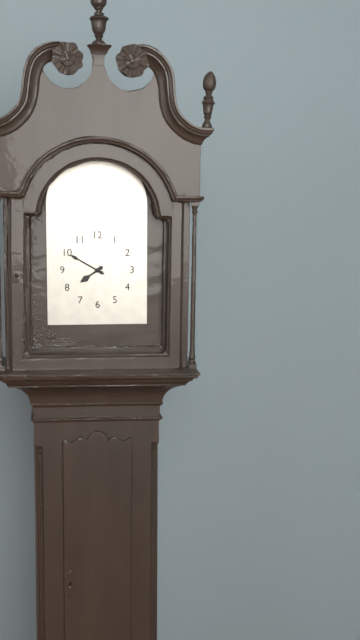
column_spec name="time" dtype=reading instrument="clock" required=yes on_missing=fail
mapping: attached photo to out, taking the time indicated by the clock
7:50
